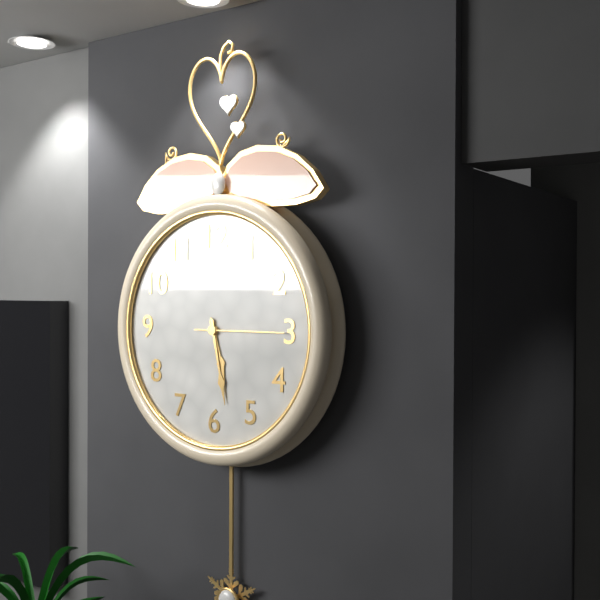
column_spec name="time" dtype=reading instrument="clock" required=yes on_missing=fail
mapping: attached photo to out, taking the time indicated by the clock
5:28:15
